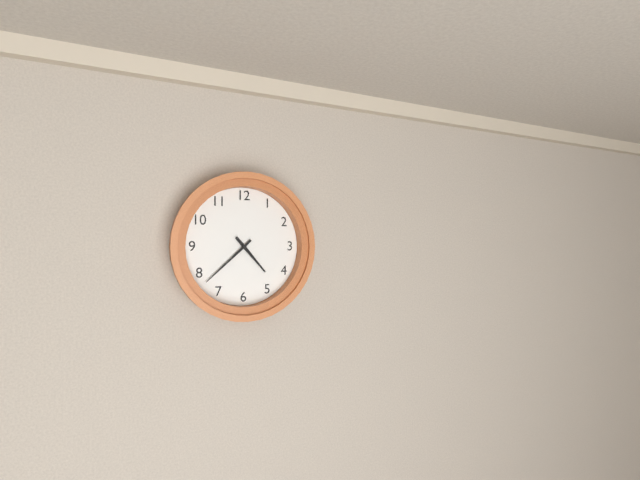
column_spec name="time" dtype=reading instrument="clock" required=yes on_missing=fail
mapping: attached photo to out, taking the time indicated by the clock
4:38
